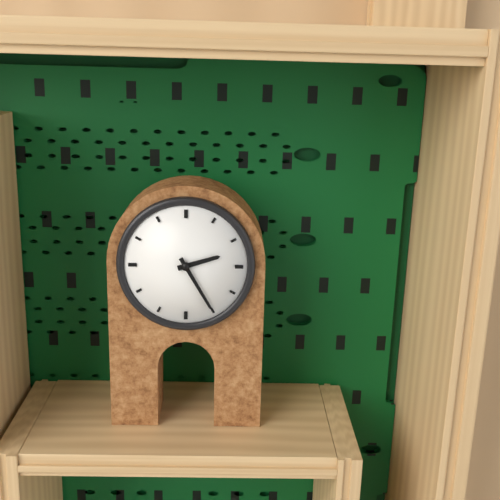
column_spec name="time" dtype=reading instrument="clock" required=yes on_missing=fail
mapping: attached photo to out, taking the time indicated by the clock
2:25
